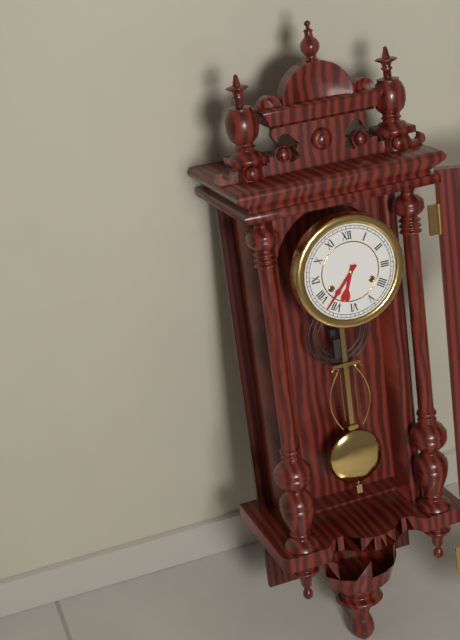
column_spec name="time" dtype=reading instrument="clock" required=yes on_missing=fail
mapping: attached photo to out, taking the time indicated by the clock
6:37
